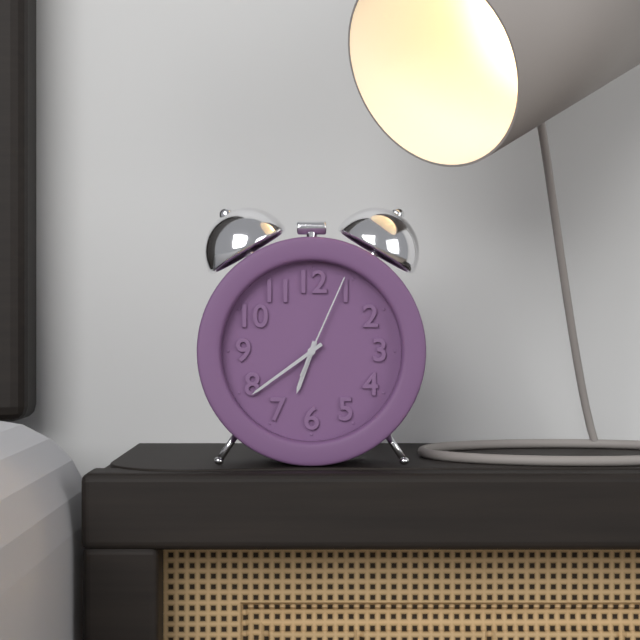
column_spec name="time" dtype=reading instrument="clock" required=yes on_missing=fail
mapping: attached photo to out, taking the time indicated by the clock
6:39:04
